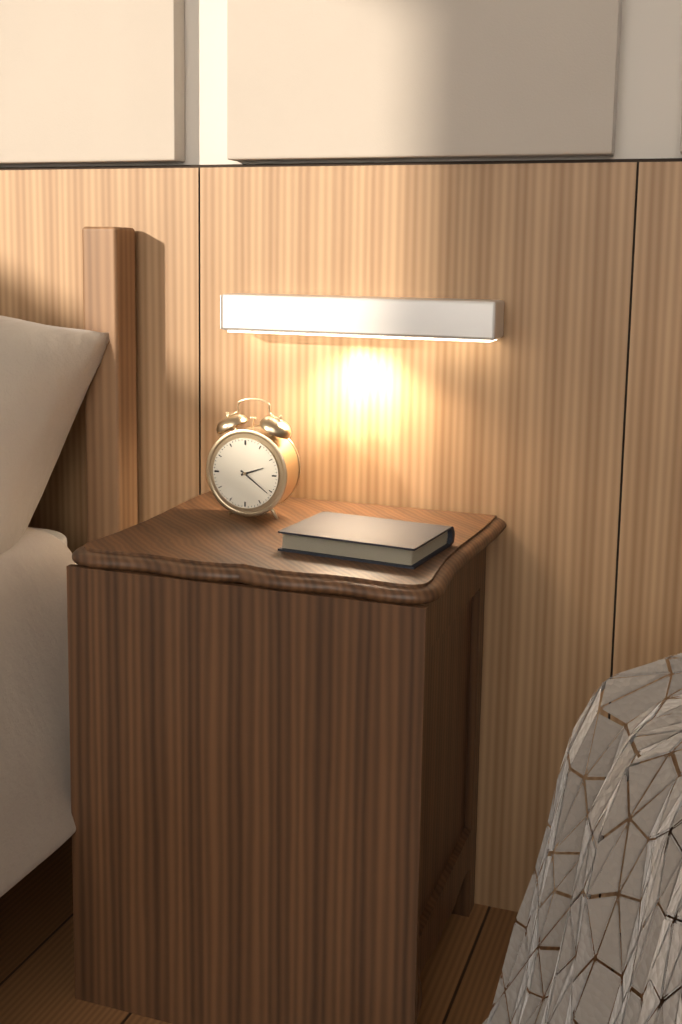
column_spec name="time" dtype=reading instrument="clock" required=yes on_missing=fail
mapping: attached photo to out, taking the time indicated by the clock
2:21
